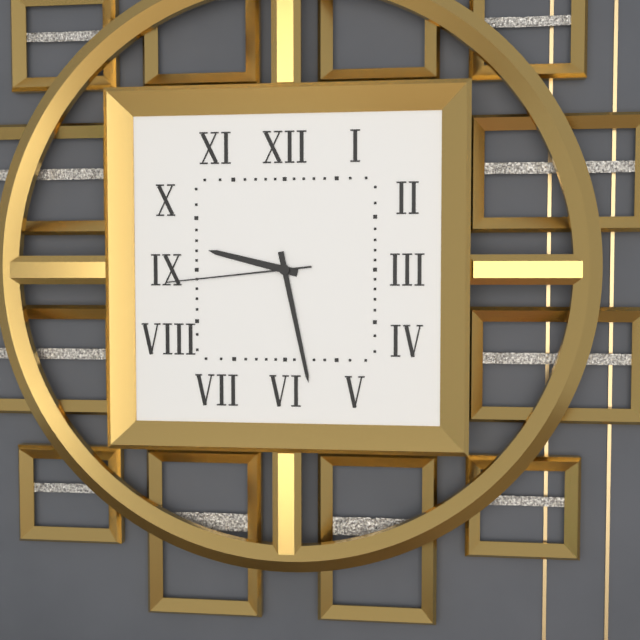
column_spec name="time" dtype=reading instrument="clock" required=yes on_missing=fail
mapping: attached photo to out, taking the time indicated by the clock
9:28:44
